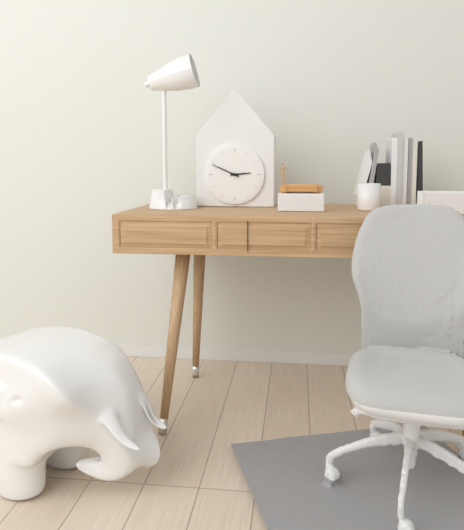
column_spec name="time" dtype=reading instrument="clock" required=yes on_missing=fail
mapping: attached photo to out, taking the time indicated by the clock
2:49
